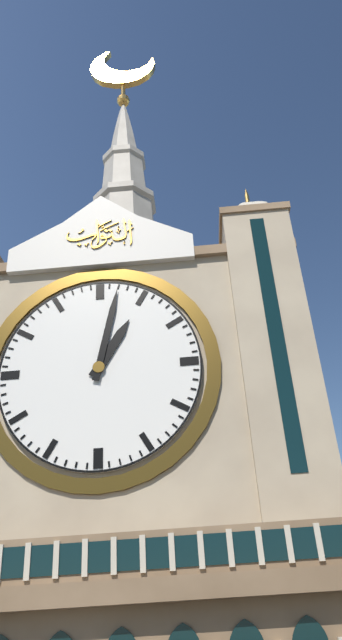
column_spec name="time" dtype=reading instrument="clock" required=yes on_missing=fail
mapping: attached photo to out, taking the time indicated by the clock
1:02
